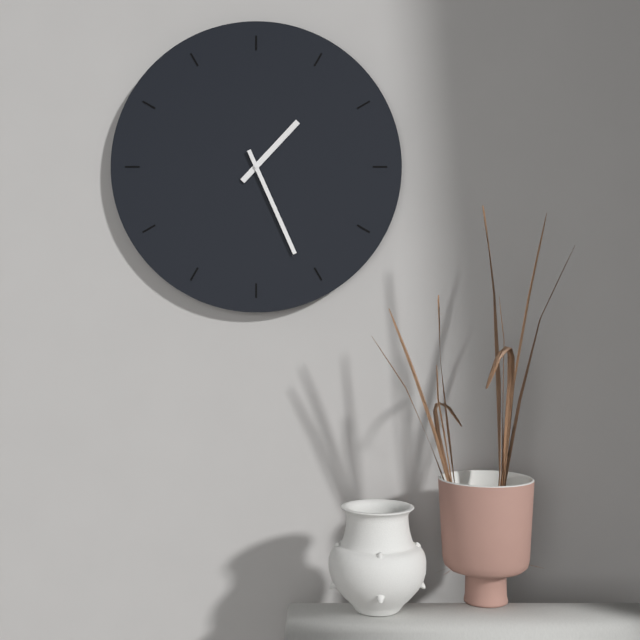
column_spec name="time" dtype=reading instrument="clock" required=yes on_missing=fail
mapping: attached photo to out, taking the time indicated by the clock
1:26
